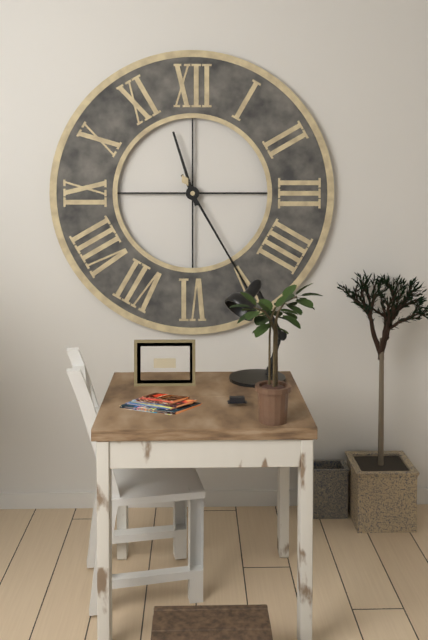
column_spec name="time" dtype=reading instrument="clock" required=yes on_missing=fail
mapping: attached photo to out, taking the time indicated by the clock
11:25
